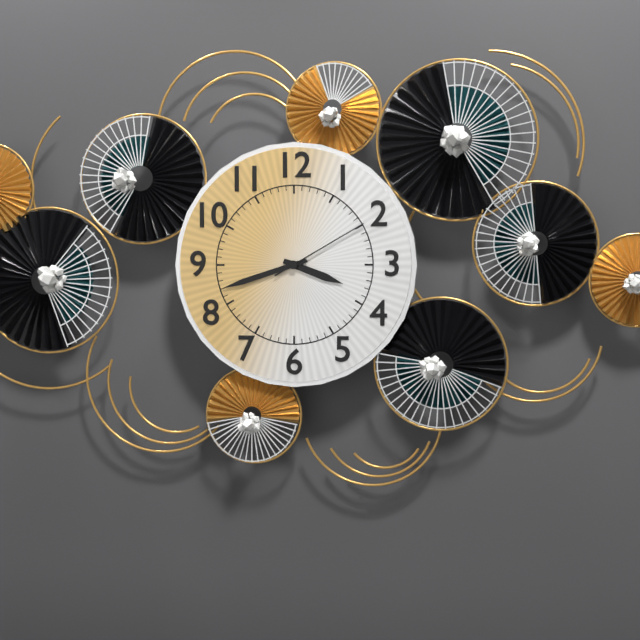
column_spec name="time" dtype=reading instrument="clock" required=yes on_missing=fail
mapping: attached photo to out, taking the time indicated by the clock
3:42:10
